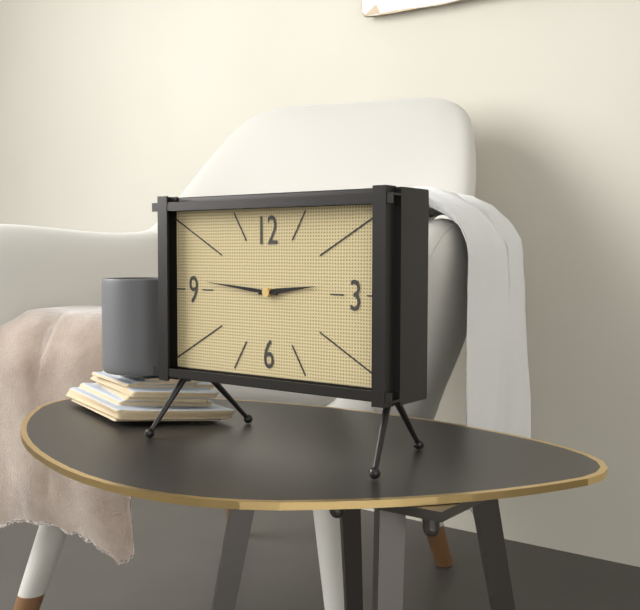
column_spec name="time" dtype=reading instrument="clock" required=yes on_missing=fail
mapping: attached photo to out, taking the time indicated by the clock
2:46
